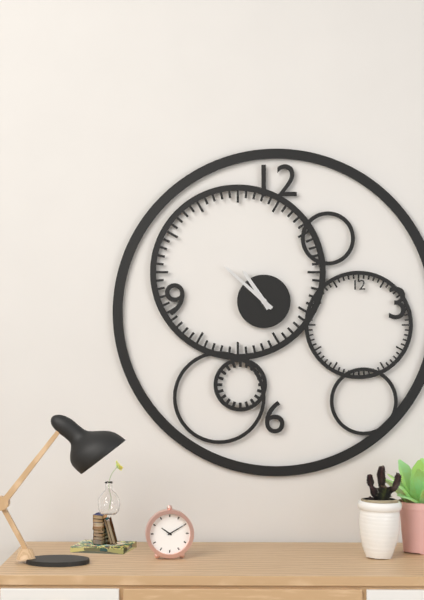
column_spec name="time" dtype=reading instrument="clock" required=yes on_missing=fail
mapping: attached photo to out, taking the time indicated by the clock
10:52
